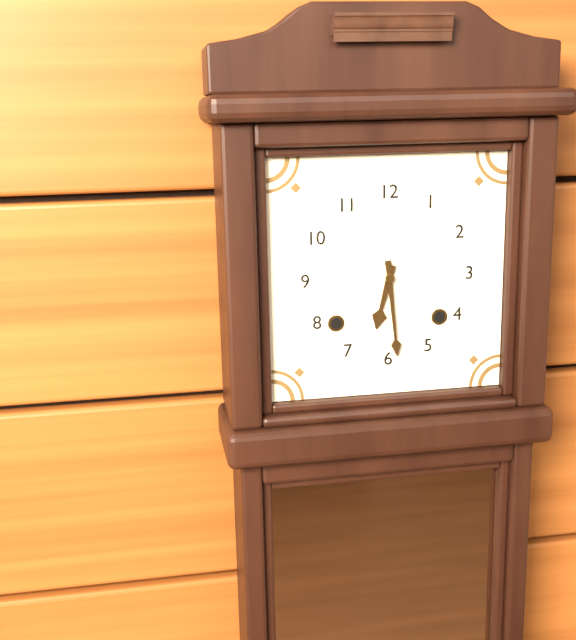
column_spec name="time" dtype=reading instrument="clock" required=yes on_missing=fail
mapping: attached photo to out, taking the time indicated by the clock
6:29
